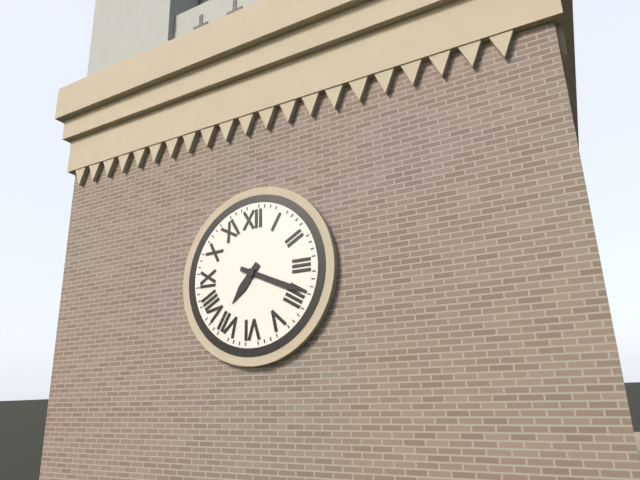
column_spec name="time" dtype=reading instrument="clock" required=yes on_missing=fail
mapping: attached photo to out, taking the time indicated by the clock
7:19
